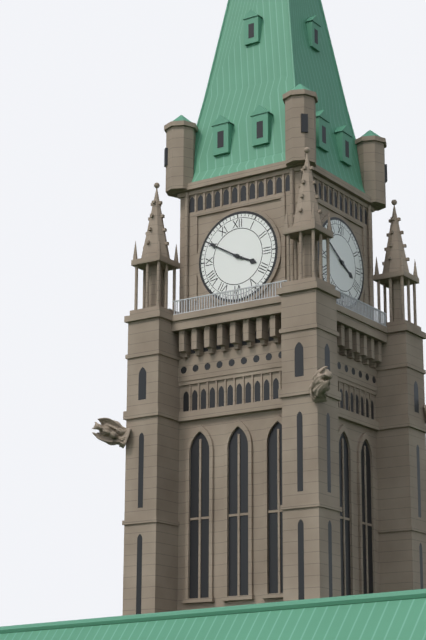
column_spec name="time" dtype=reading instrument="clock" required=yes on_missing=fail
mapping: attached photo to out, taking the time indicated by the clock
3:50
